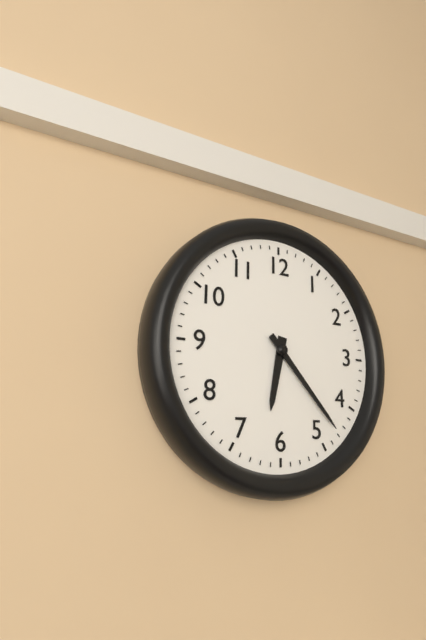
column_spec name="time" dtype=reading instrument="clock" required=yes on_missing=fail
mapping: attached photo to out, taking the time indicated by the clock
6:23
